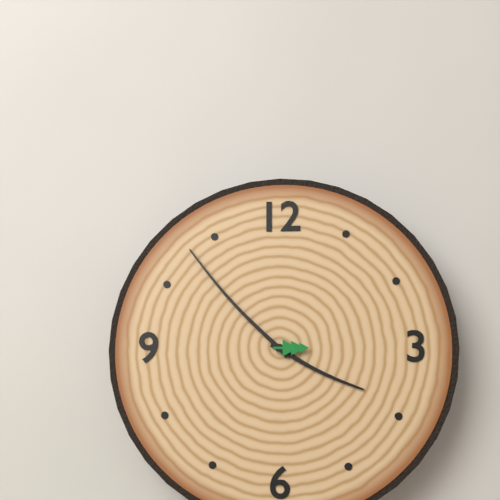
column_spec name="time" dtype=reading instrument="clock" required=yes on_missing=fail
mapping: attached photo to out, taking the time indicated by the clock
3:53
